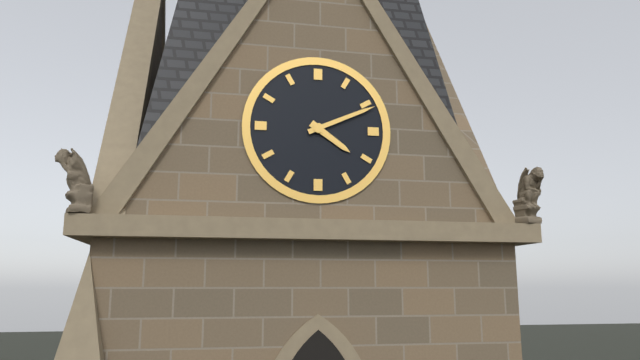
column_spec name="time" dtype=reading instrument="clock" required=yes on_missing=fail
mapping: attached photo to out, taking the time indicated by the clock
4:11
